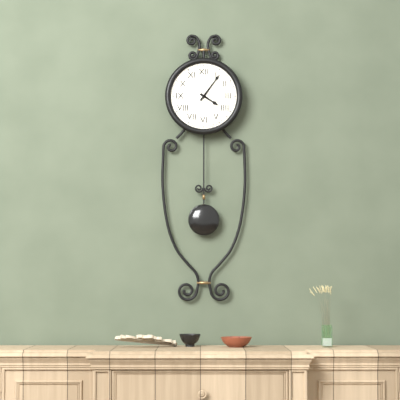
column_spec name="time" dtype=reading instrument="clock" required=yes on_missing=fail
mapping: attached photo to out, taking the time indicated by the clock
4:06
